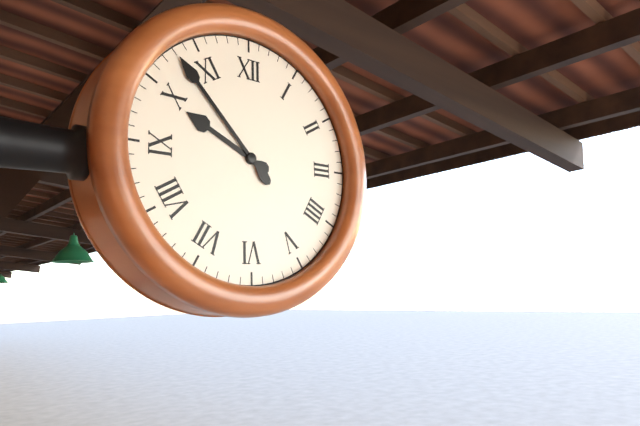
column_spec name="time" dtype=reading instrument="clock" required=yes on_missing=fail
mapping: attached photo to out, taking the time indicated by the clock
9:53
